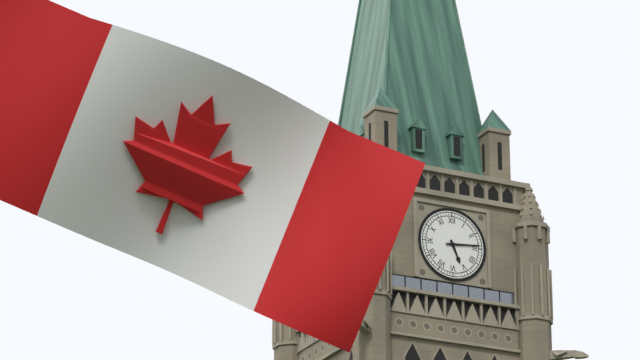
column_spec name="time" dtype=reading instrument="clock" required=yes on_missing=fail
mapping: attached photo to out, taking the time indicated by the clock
5:14
